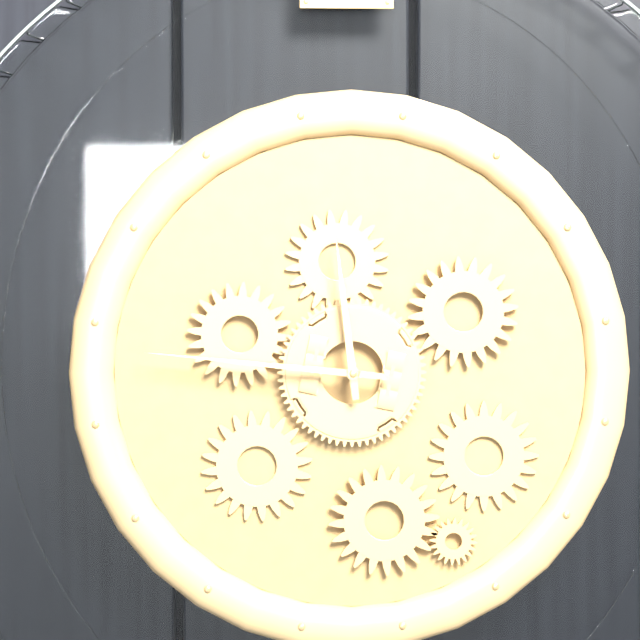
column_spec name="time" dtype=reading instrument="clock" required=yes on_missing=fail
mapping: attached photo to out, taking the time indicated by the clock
11:46
